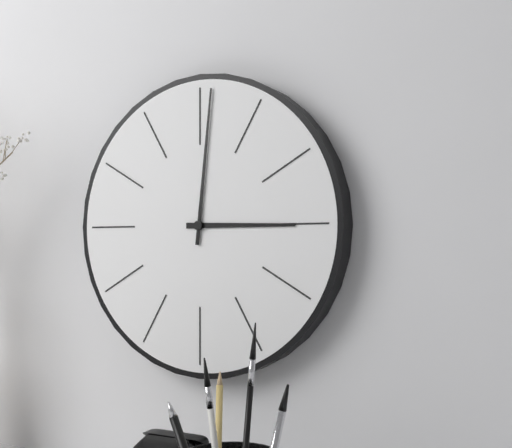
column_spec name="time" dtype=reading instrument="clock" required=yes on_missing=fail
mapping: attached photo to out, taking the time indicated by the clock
3:01
